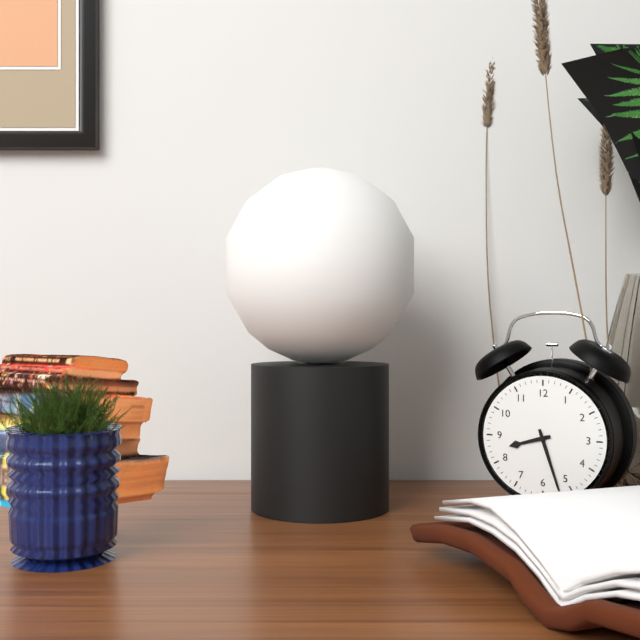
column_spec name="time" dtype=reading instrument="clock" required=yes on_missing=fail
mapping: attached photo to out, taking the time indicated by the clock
8:27
